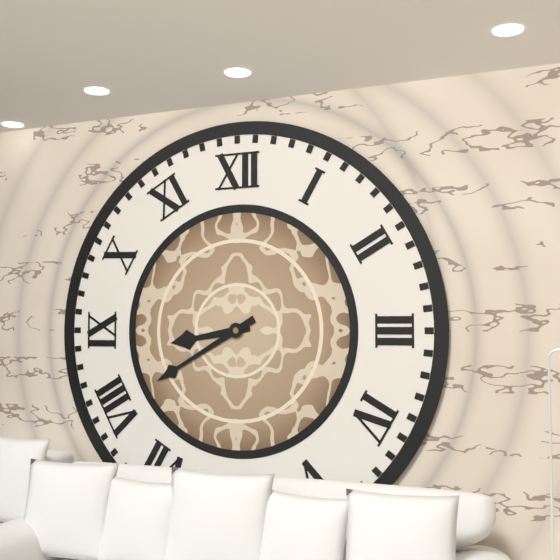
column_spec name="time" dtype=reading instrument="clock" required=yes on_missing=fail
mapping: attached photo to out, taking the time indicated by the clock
8:40
